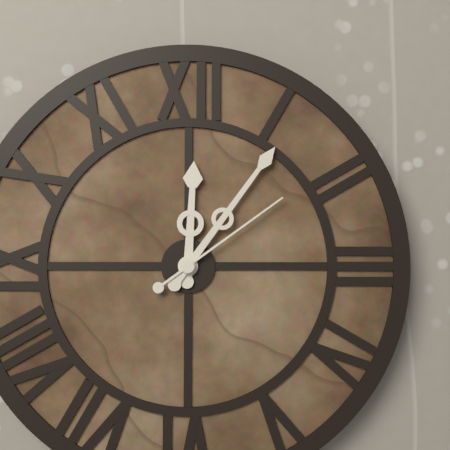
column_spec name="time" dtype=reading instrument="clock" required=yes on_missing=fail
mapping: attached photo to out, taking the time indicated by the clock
12:06:09
